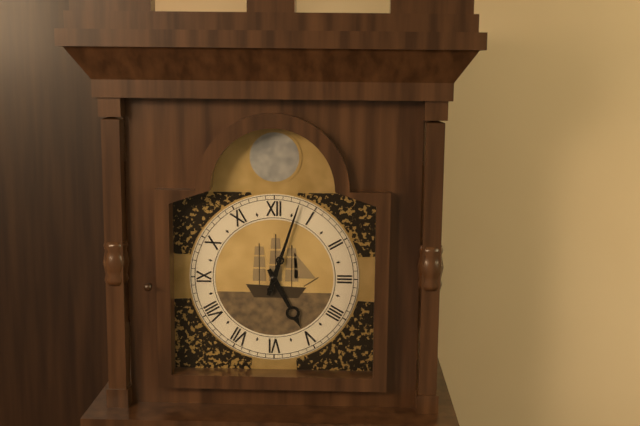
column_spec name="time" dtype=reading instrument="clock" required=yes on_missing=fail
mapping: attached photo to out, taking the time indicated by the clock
5:03
